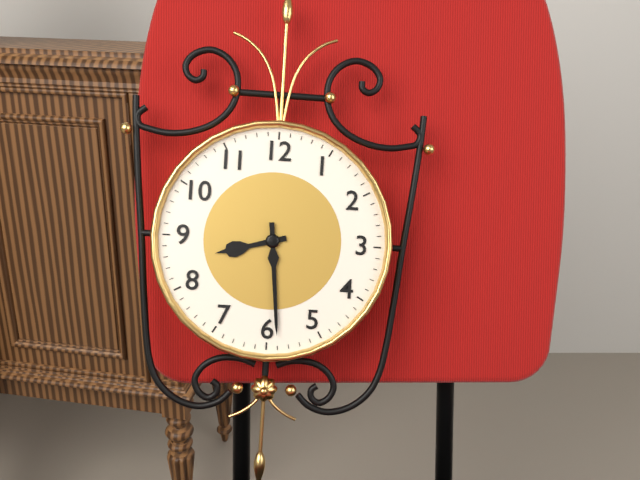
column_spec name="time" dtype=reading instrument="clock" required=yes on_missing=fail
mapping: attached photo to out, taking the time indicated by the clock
8:29
